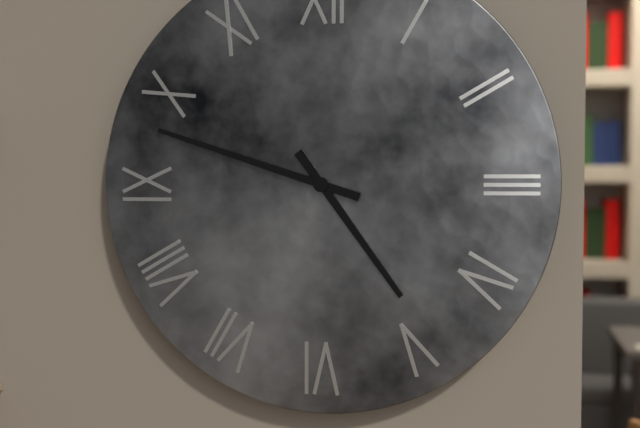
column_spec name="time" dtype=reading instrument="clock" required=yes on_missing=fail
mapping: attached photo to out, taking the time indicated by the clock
4:48
